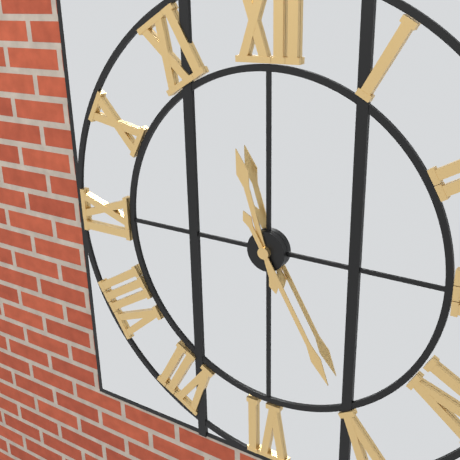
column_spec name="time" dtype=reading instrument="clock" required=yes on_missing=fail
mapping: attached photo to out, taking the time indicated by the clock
11:25
